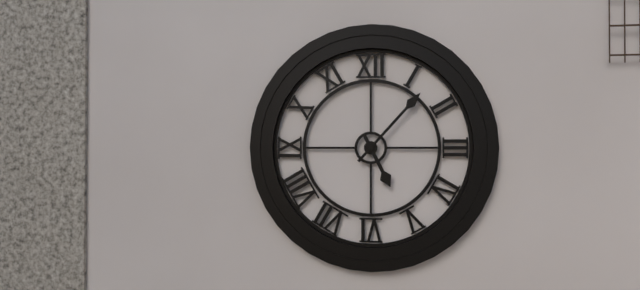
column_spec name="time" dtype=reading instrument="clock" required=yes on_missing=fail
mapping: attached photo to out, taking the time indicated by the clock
5:07
